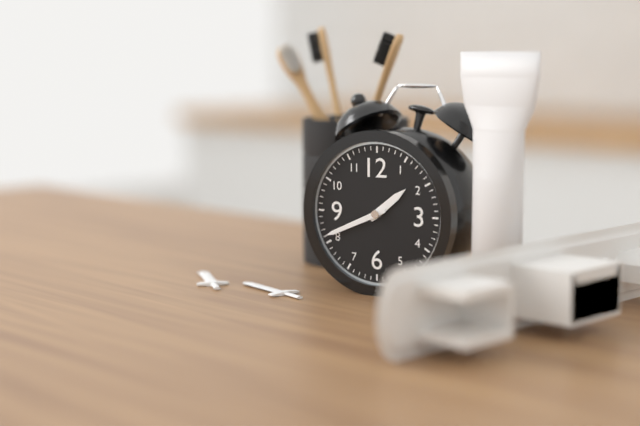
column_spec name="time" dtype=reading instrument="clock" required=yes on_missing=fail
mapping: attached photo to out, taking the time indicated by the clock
1:41
